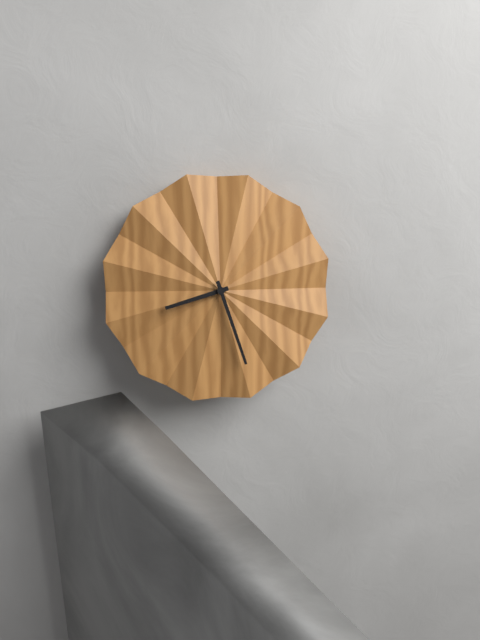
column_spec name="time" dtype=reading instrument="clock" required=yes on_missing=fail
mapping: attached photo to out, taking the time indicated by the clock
8:27
